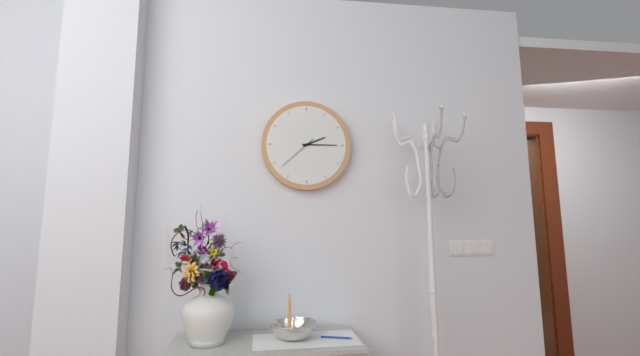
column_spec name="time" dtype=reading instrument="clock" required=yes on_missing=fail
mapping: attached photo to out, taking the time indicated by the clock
2:15
